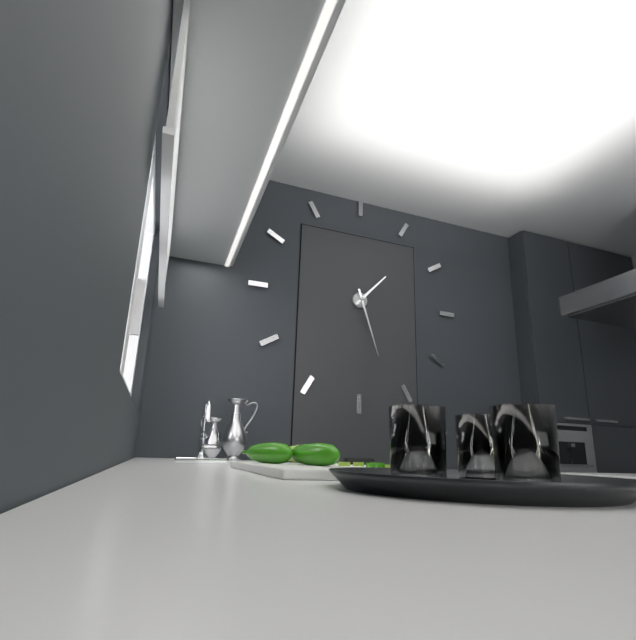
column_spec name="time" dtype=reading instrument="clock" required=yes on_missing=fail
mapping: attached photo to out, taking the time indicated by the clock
1:27
